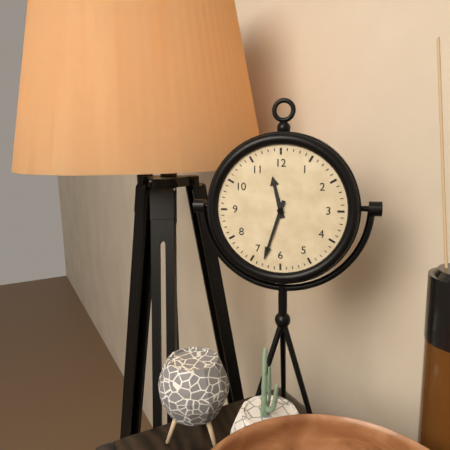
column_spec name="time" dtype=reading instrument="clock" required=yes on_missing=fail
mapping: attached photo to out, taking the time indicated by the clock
11:33
